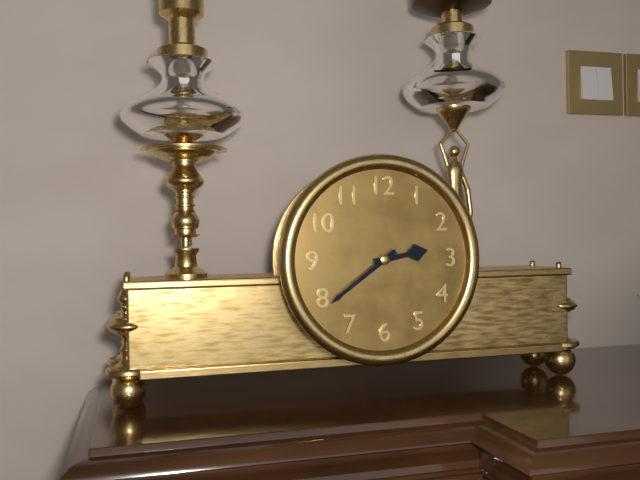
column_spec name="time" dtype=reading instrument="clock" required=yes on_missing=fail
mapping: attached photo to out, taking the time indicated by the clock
2:39
